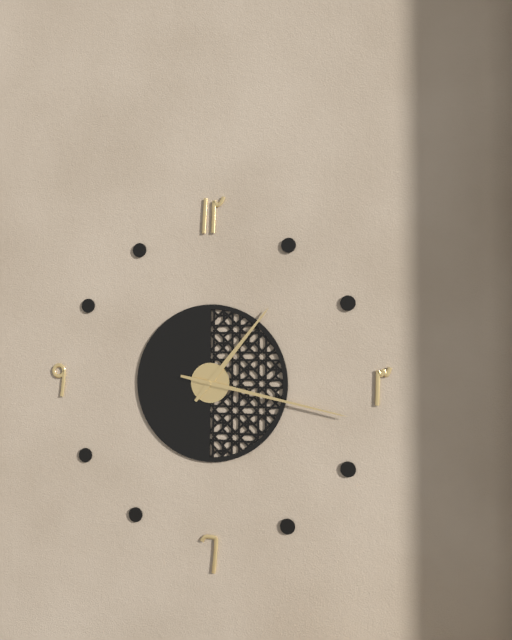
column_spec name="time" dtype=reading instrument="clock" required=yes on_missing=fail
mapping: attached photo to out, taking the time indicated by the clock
1:17
